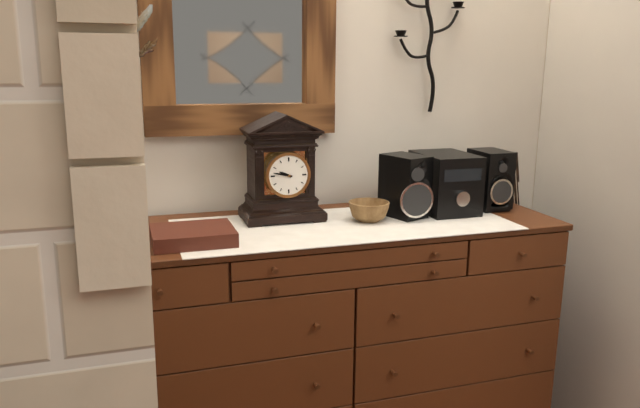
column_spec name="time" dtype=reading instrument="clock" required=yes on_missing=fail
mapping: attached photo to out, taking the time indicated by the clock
9:47
